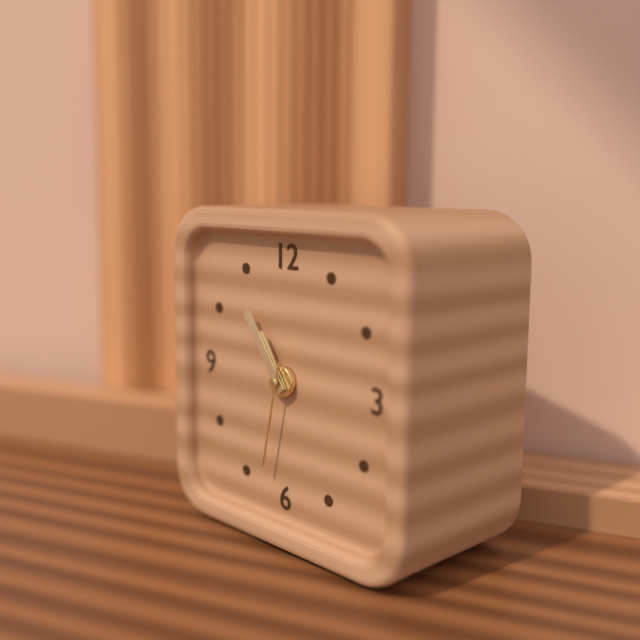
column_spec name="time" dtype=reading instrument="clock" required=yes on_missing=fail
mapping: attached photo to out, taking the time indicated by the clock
10:54:32
